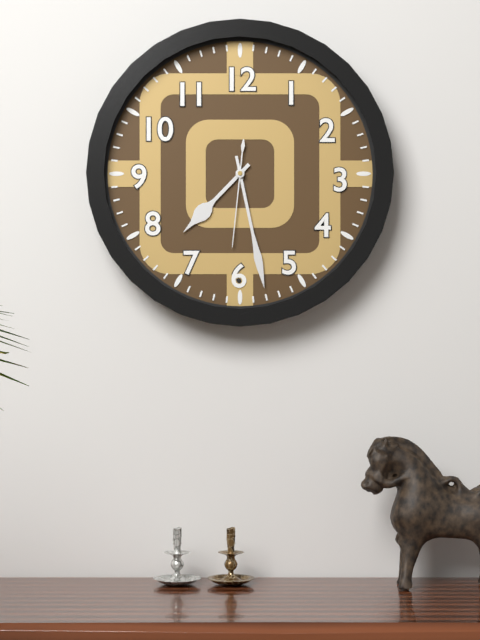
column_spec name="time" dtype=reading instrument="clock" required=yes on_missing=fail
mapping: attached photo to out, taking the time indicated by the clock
7:28:31
